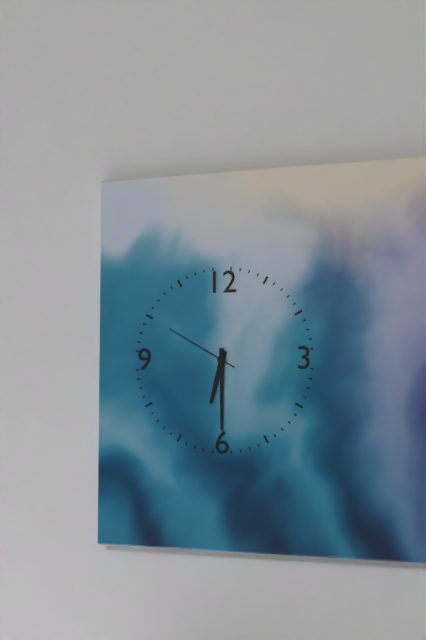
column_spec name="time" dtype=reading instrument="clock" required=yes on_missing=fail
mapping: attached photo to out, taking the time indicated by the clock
6:30:50
